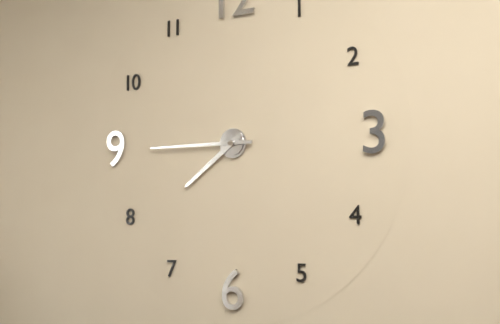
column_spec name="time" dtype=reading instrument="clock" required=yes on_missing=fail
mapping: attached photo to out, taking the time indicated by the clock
7:45
